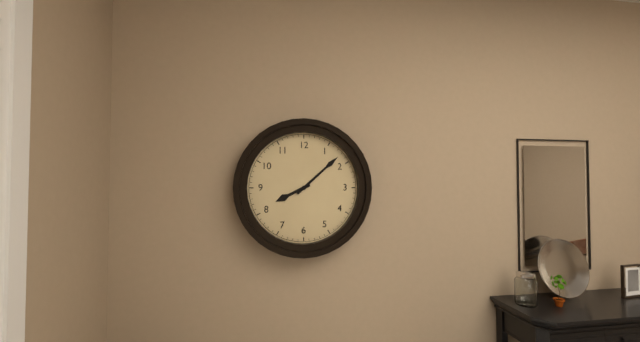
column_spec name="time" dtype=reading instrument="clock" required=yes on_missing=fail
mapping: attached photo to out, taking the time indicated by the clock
8:08
